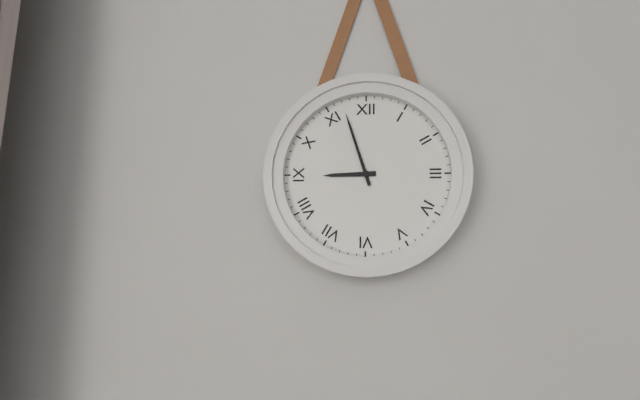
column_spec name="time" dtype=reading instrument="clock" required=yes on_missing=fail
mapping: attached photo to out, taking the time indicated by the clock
8:57
